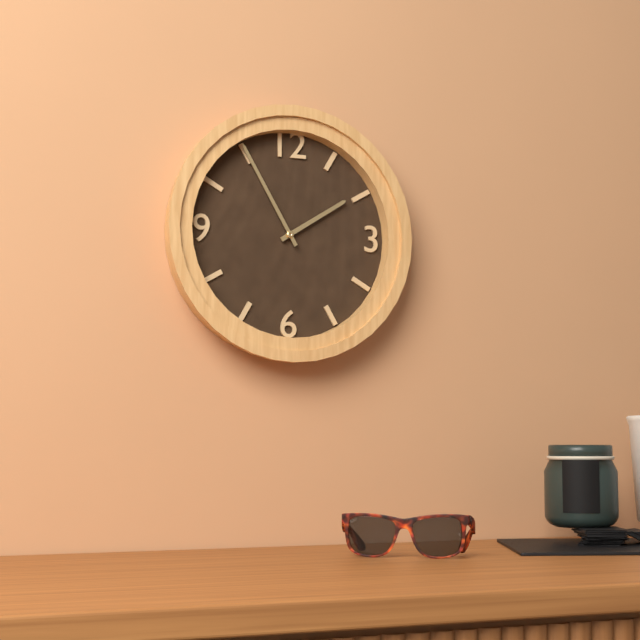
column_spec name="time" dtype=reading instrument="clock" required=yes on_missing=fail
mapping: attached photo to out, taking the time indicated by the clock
1:55
